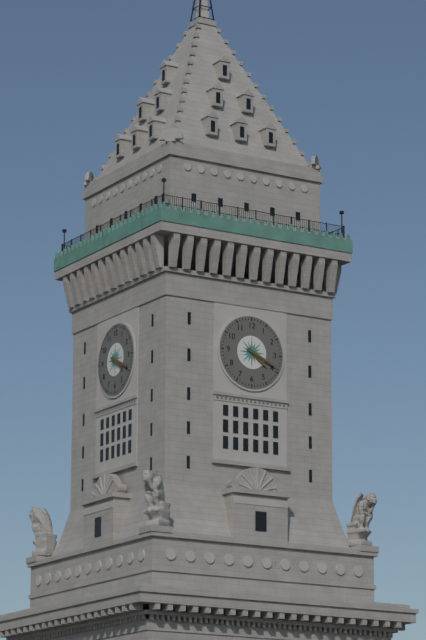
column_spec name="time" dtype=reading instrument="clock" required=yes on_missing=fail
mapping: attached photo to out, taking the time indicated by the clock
4:19
